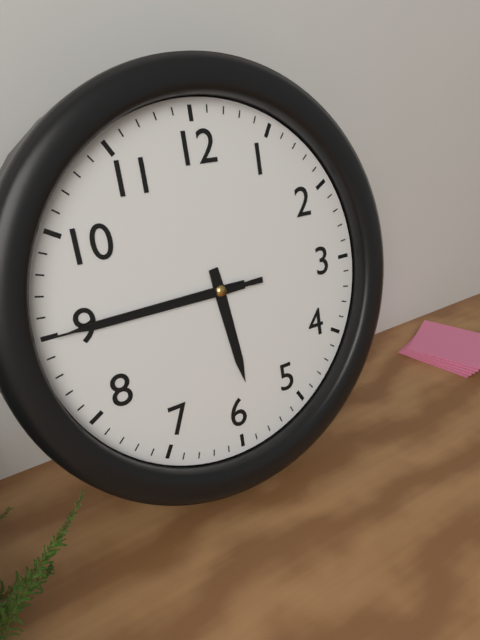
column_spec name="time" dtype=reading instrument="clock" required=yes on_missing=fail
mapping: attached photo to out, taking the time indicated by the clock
5:45:45
